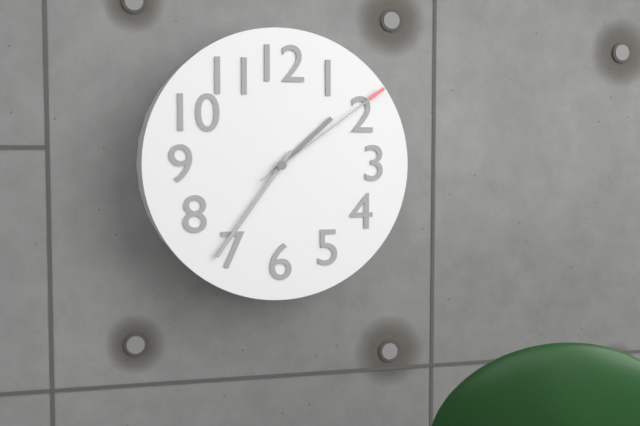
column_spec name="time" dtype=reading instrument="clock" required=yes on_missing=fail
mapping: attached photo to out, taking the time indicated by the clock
1:36:09
